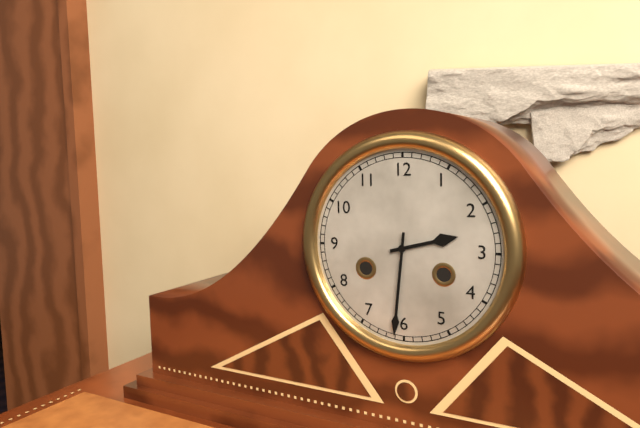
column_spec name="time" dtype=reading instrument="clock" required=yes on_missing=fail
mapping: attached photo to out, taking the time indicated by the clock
2:31
